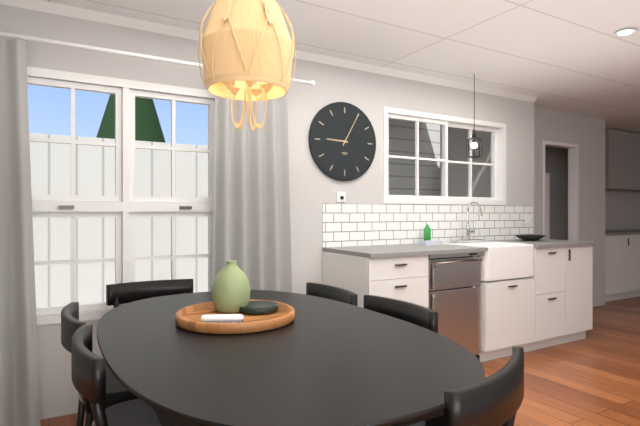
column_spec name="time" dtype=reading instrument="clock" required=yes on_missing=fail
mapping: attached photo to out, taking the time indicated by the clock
9:05
